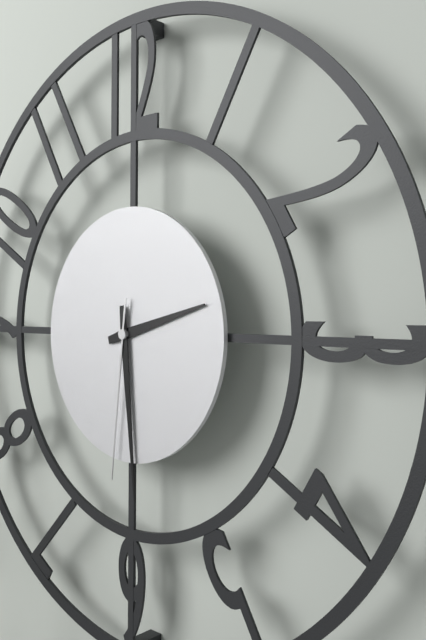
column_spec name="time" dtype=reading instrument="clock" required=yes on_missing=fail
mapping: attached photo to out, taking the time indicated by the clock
2:29:31
